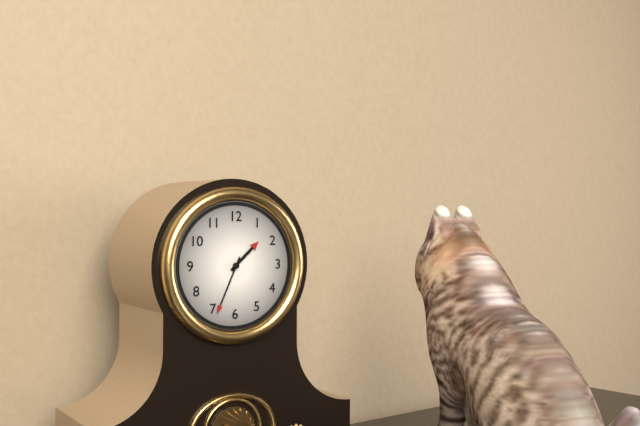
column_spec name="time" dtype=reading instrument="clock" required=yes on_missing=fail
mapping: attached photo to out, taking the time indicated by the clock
1:34
